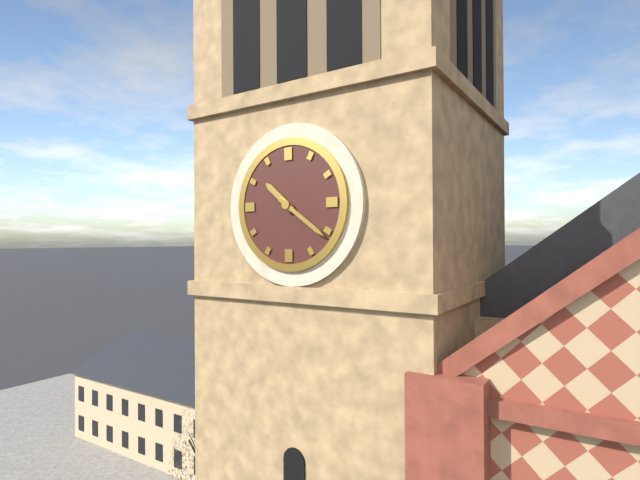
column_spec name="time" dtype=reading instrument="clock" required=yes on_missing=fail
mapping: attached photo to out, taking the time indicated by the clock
10:21
